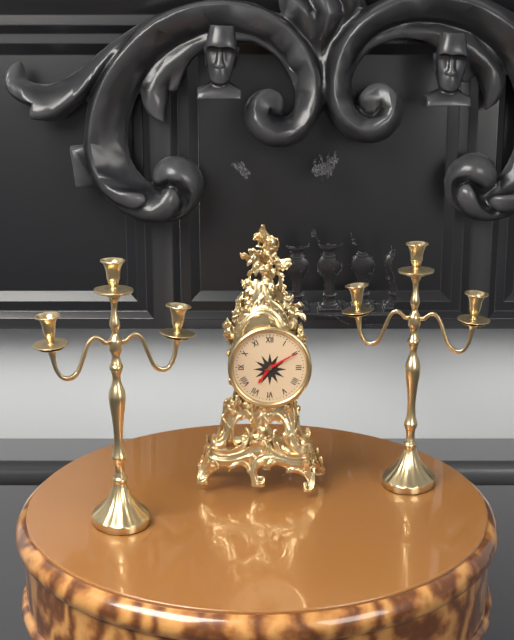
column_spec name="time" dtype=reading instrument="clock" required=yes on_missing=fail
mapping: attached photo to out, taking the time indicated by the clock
7:10
